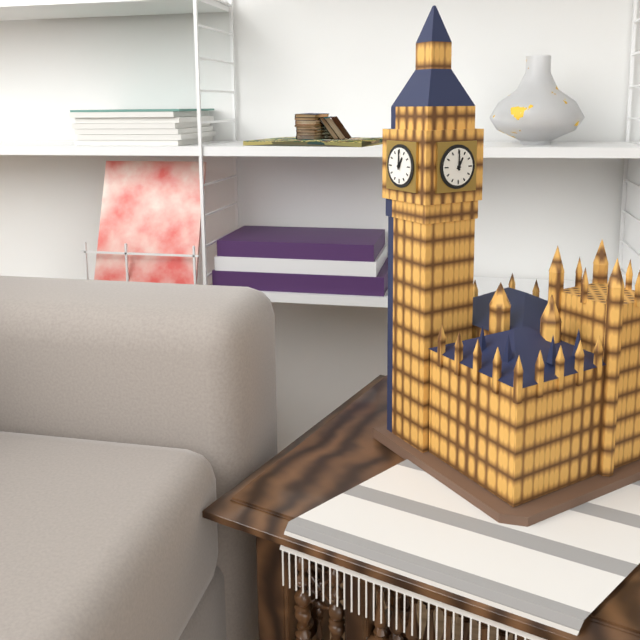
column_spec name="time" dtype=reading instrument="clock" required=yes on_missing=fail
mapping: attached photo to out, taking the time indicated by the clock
1:00
